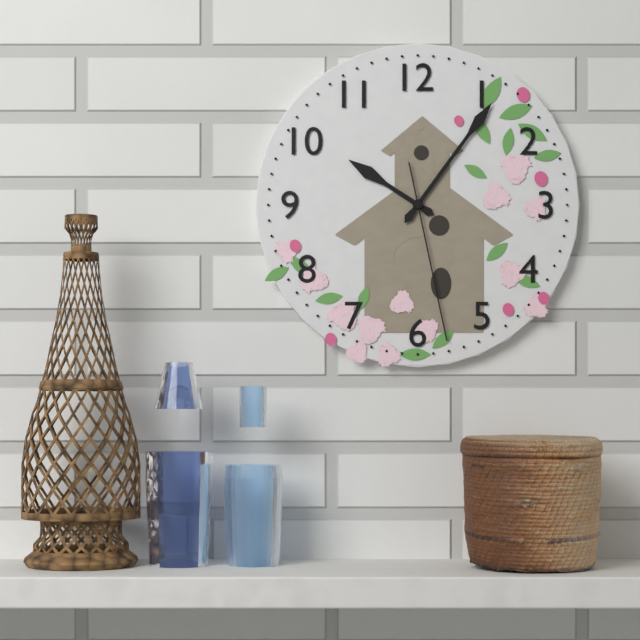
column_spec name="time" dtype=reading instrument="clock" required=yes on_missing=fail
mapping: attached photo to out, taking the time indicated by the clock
10:06:28
